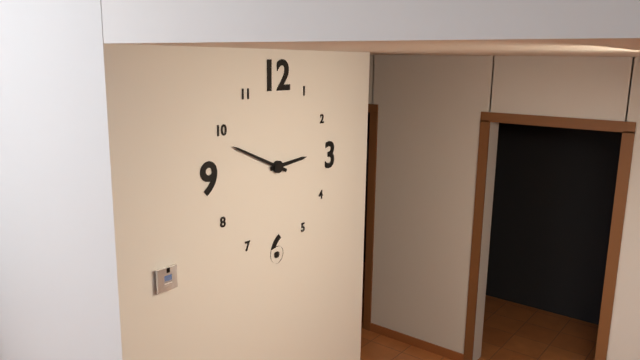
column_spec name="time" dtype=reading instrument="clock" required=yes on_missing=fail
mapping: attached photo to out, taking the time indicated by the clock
2:49
